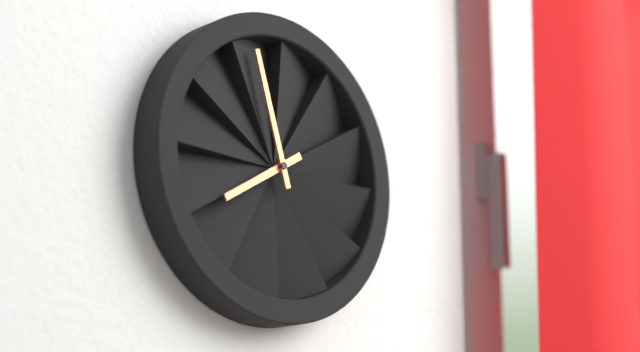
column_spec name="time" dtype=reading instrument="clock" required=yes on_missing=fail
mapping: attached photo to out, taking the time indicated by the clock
7:57
